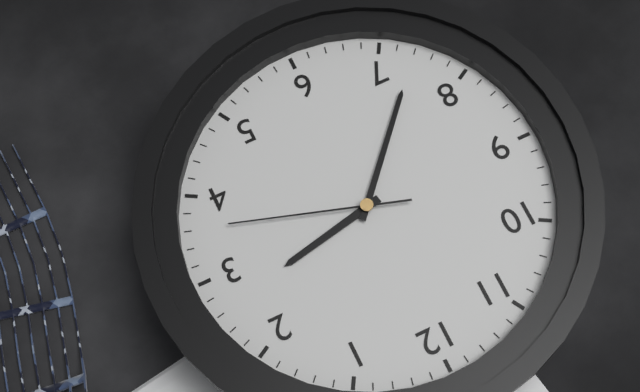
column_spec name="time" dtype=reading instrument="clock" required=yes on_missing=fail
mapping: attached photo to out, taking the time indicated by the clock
2:37:18
